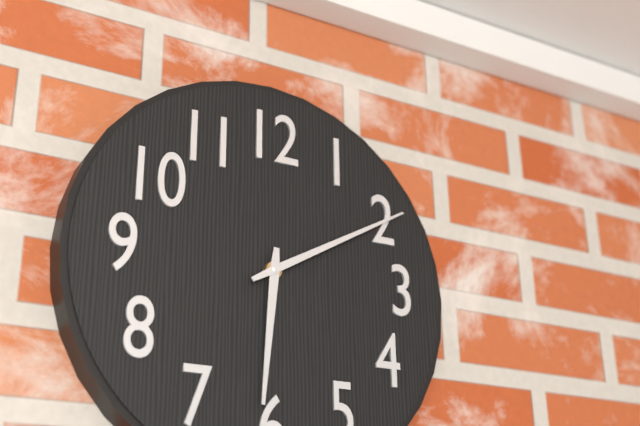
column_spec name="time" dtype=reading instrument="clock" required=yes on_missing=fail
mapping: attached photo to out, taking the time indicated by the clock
6:10
